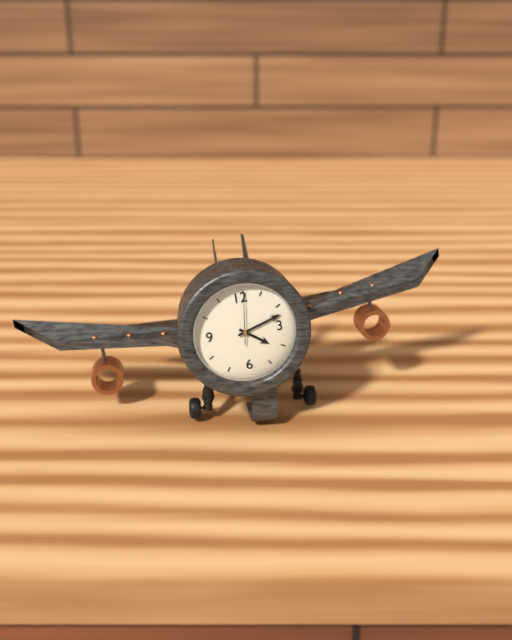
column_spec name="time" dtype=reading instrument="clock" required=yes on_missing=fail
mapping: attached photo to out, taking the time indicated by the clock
4:12
